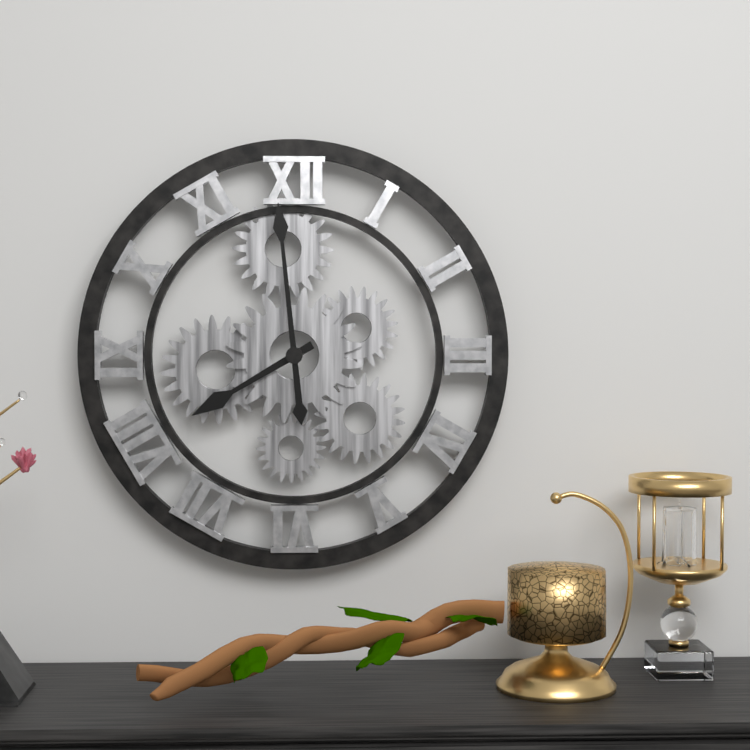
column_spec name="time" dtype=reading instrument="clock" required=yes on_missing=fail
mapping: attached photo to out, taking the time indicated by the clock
7:59
